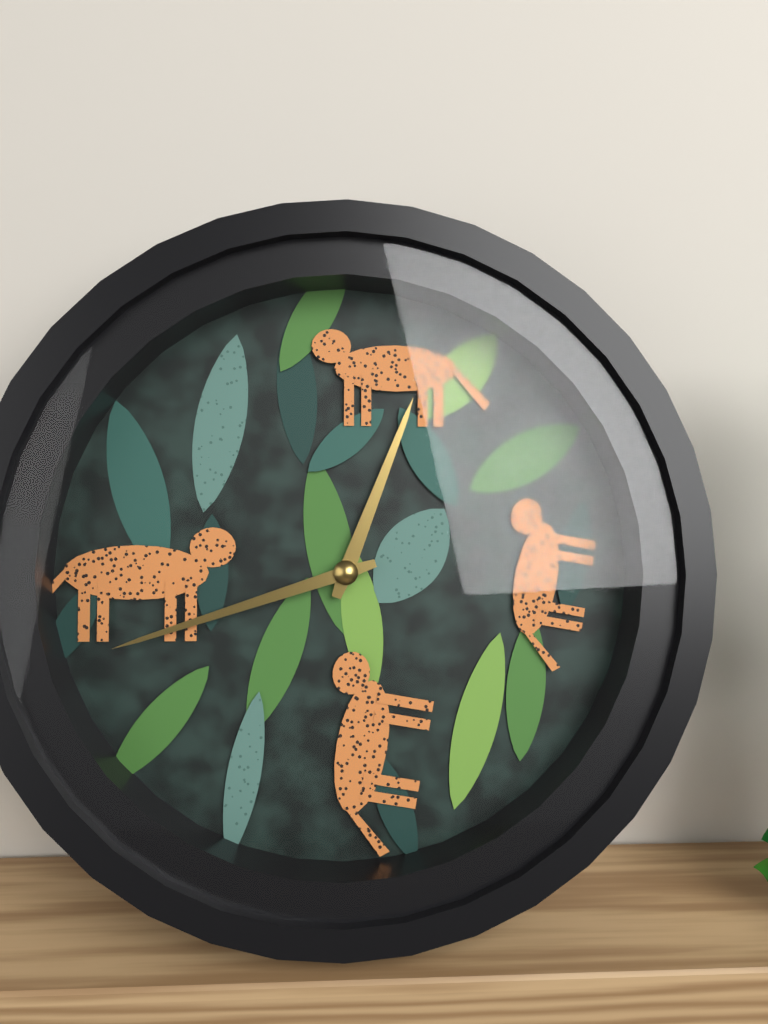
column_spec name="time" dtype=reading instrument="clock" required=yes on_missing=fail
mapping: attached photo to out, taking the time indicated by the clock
12:42
